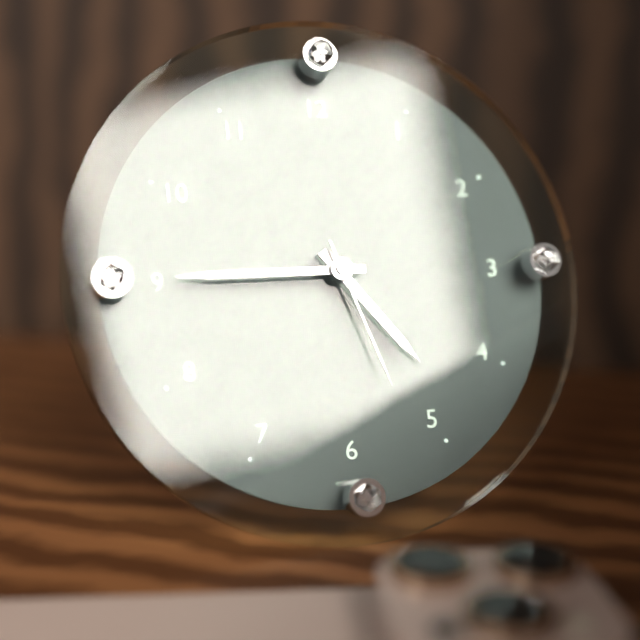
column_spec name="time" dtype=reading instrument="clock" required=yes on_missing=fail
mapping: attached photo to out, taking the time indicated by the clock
4:45:27
